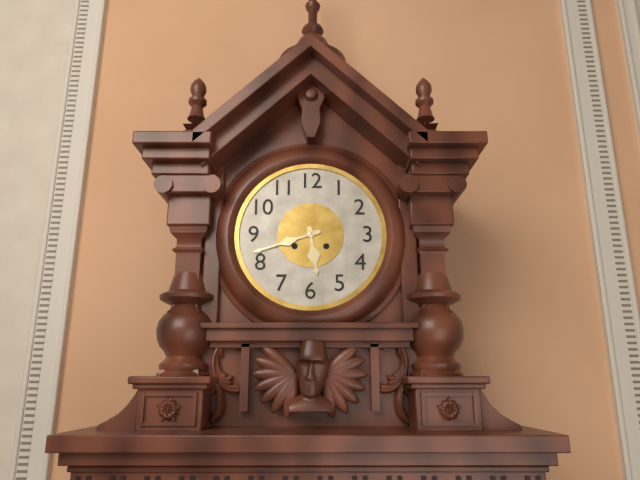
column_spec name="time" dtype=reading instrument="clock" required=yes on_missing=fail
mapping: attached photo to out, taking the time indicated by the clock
5:42
